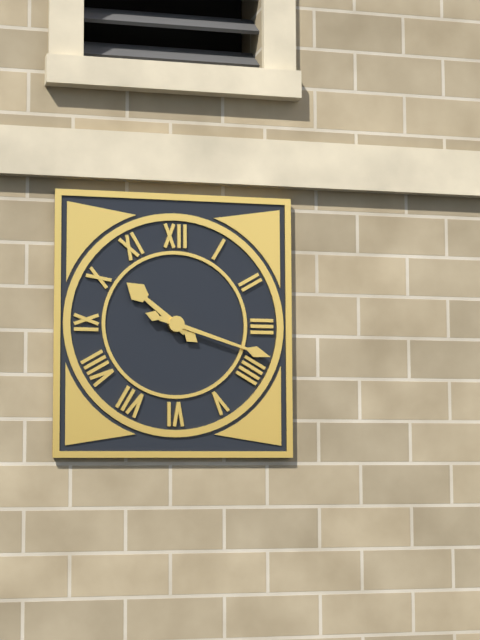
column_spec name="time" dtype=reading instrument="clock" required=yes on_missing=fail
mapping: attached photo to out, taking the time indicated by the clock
10:18
